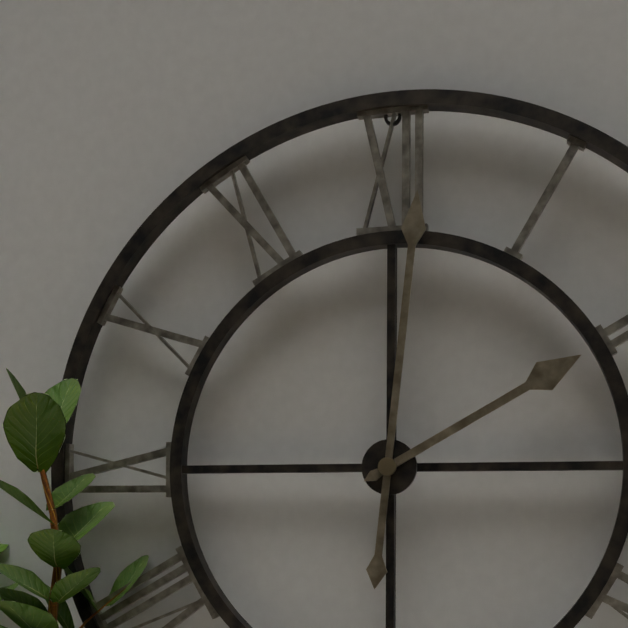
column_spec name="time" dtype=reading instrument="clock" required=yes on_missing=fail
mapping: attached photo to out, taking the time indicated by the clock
2:01
